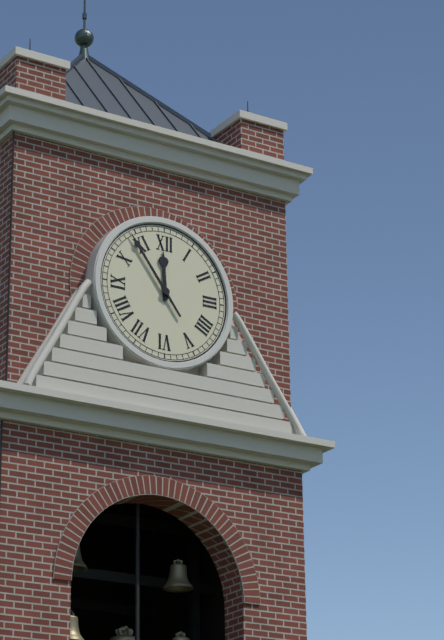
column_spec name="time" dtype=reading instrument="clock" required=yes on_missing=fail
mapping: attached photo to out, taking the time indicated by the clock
11:54
